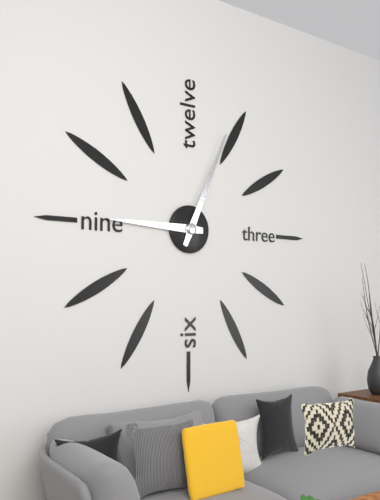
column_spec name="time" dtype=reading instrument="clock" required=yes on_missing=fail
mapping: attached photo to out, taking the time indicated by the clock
9:04
